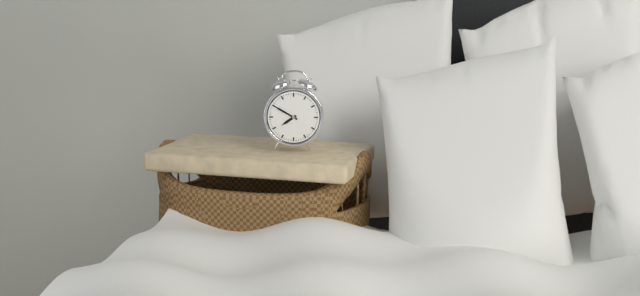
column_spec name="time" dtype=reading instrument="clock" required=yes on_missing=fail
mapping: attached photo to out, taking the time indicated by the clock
7:50
